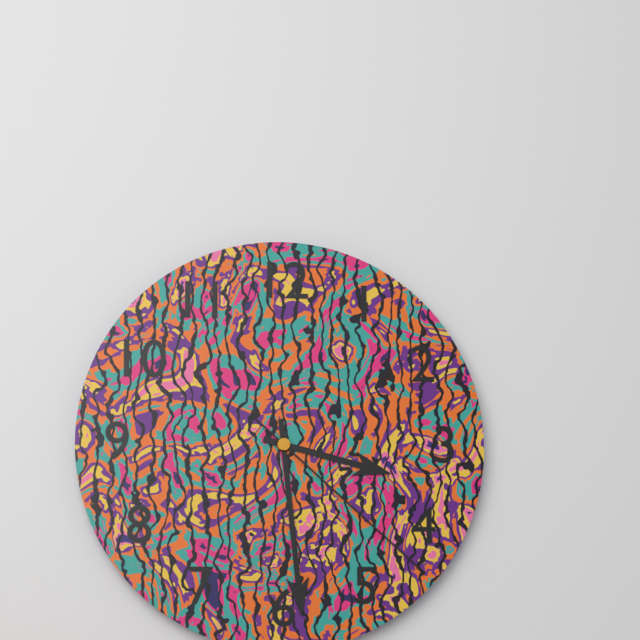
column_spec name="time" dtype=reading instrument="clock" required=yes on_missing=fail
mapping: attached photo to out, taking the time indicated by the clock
3:29:22
